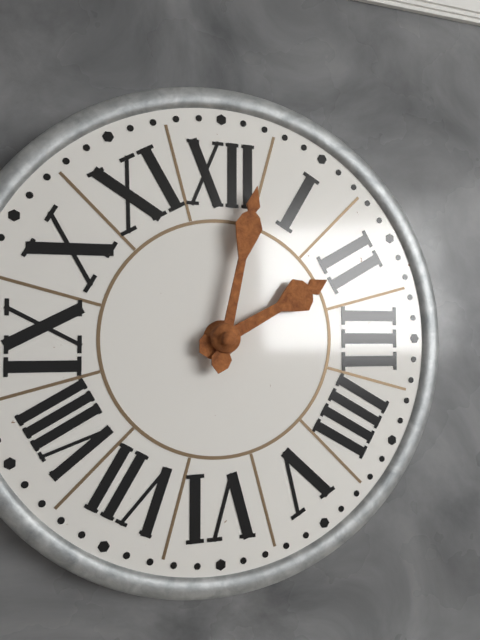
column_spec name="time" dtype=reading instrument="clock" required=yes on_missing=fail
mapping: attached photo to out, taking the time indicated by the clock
2:02
